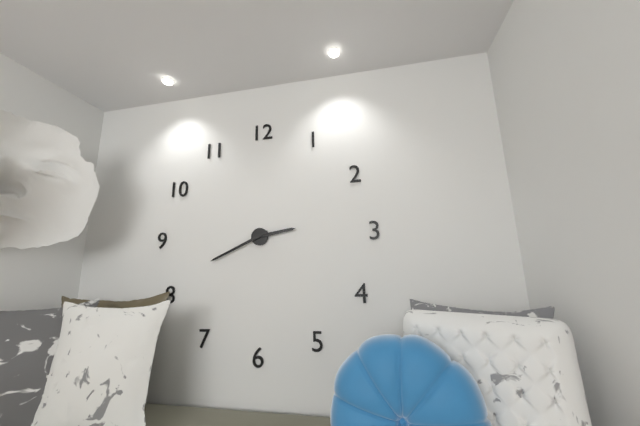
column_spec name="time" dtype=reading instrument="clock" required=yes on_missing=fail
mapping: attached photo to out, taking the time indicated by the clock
2:41
